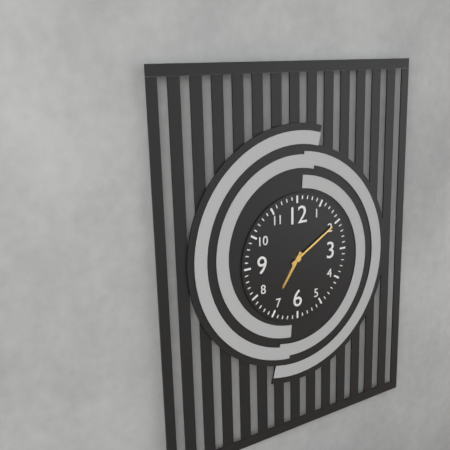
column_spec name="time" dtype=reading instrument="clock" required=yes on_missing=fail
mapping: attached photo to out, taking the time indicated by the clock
7:10
